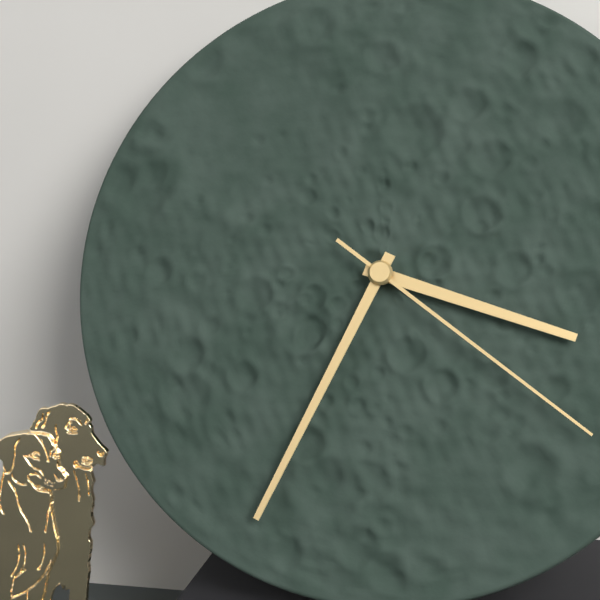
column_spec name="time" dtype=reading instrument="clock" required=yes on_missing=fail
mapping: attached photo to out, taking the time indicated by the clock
3:34:21
